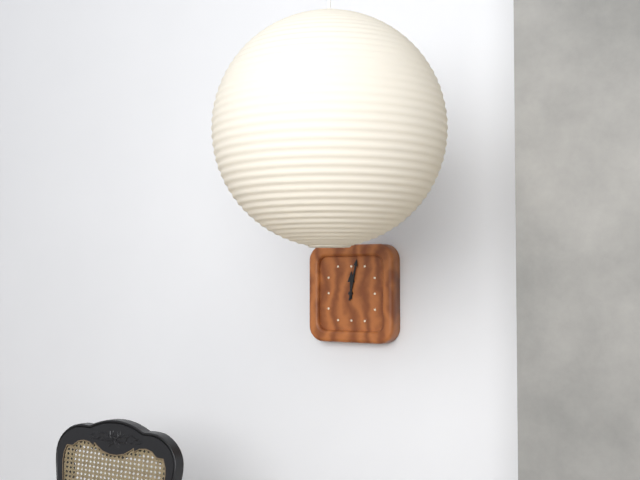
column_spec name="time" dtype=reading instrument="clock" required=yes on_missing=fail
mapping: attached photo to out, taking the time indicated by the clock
12:02
